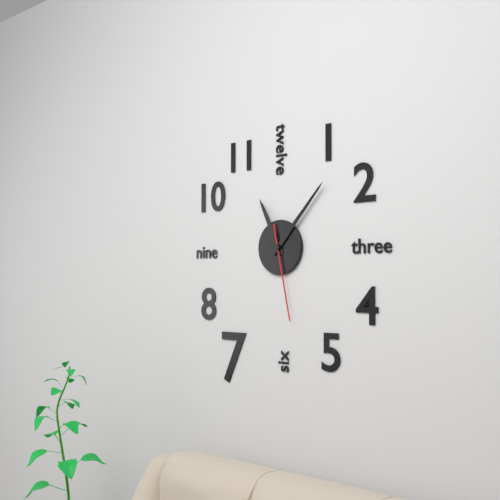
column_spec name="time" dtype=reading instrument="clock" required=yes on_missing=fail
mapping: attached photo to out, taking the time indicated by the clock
11:07:28
